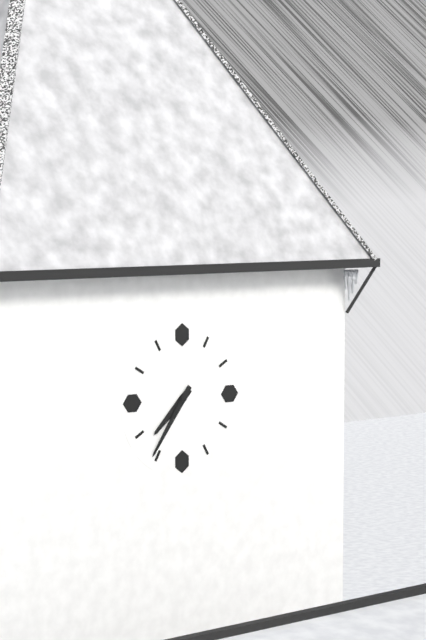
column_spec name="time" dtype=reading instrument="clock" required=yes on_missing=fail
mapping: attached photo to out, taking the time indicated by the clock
7:36
